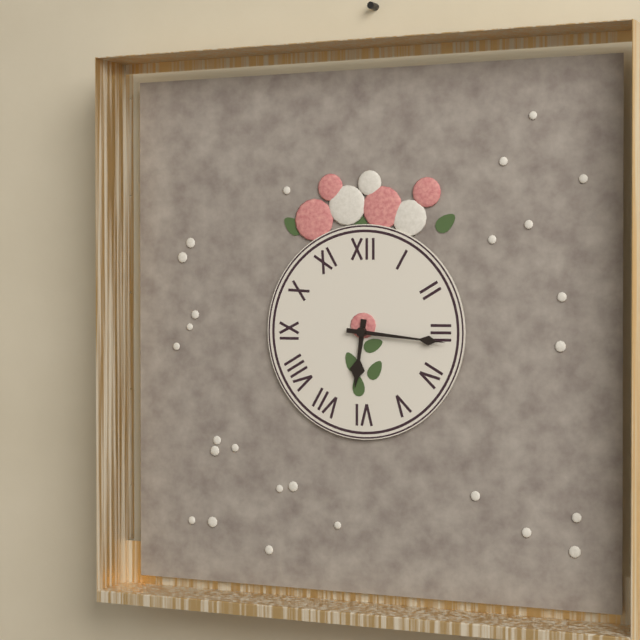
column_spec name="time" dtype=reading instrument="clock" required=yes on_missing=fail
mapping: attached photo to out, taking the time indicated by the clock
6:16
